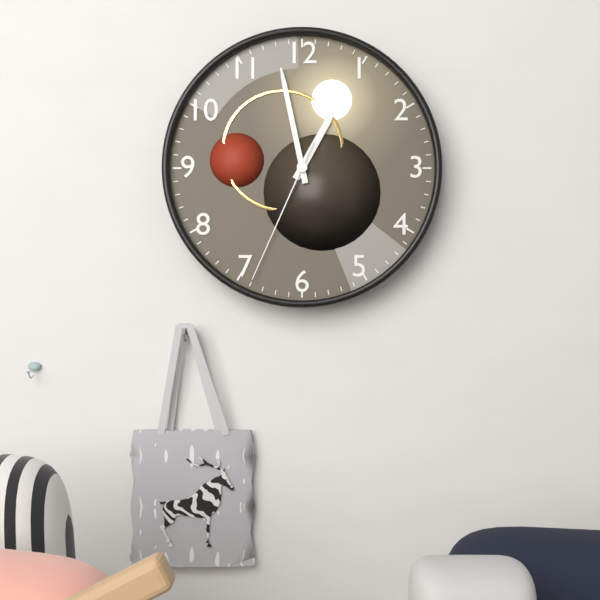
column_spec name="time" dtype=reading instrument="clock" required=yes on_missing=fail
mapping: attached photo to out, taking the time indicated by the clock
12:58:34
